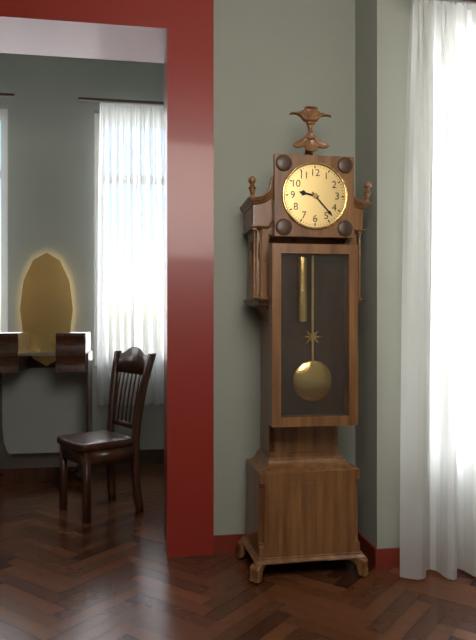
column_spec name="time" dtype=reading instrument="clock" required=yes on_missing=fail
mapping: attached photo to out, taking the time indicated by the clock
9:23
